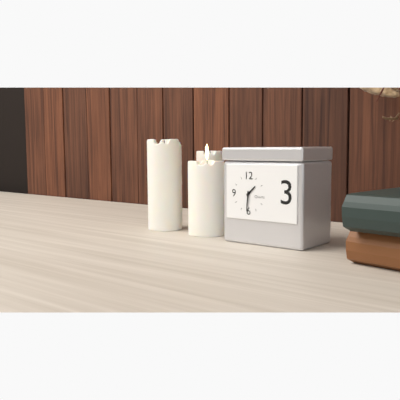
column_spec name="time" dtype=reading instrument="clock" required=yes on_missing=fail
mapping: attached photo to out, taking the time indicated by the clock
1:31
